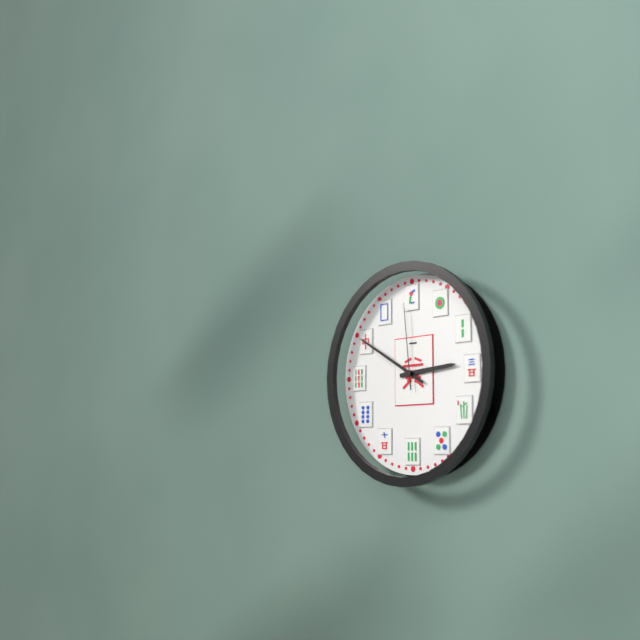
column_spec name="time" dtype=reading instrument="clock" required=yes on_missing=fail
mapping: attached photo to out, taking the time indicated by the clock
2:50:59
